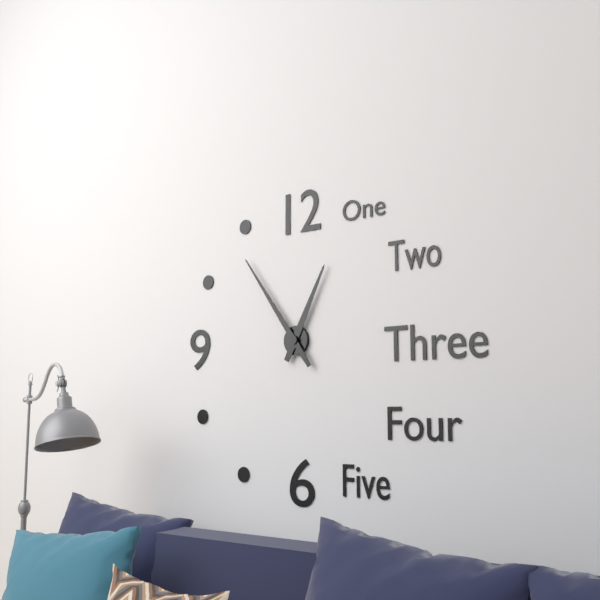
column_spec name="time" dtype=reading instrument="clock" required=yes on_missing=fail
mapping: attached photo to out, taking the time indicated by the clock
12:54
